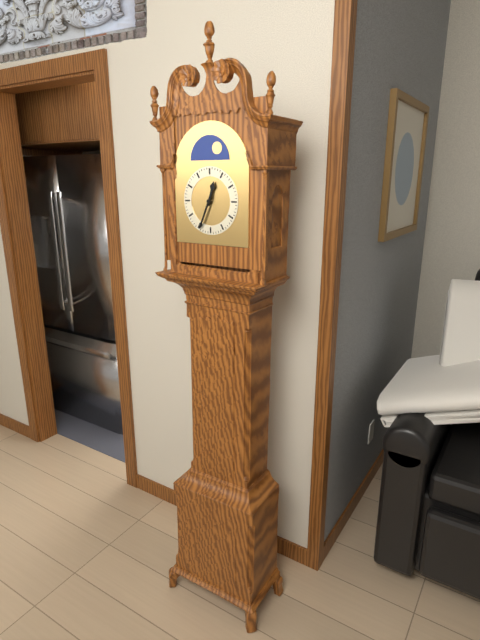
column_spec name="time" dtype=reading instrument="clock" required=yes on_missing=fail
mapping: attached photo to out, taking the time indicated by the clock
12:34
